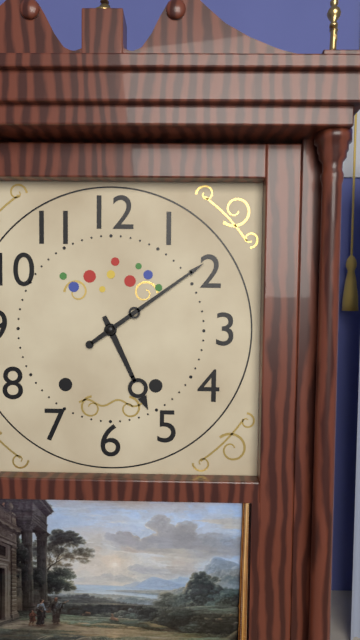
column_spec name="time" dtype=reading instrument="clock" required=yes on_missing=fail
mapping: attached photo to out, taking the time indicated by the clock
5:09
